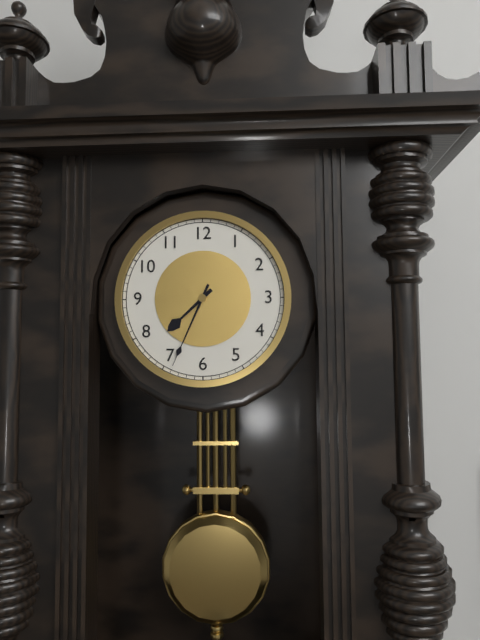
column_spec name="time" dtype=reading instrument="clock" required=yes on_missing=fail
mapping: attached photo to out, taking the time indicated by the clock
7:34
